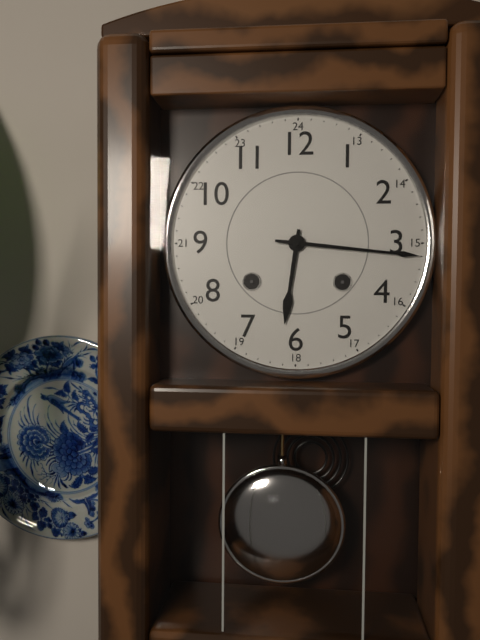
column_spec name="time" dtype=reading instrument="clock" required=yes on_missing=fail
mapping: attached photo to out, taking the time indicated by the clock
6:16
